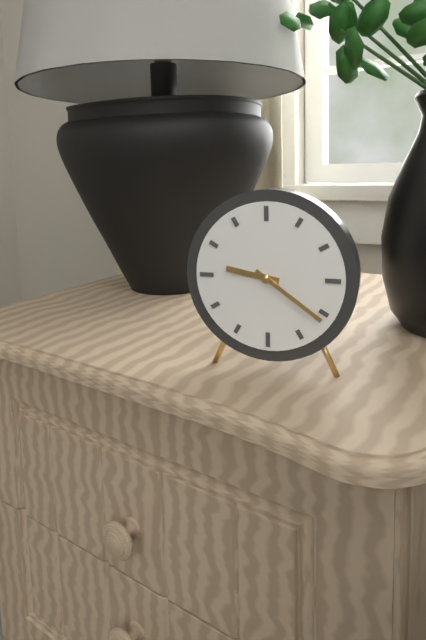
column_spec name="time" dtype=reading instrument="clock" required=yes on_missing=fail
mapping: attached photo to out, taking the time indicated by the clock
9:21
